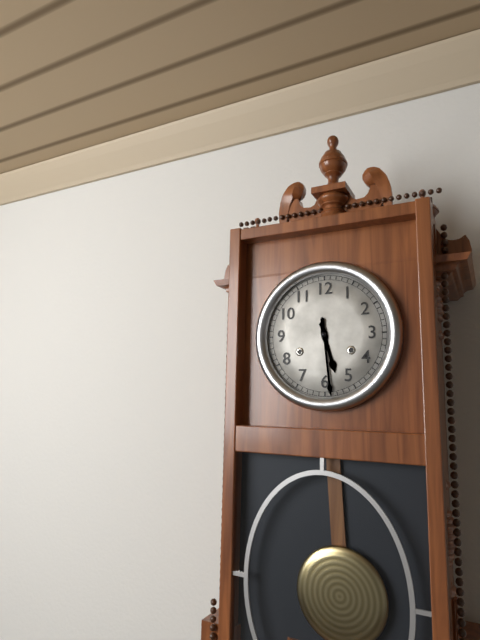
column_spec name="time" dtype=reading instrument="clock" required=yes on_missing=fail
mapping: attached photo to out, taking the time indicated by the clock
5:29
